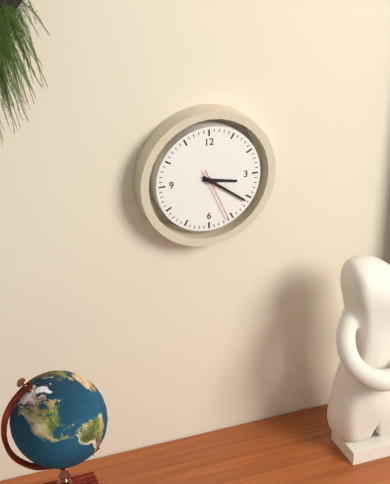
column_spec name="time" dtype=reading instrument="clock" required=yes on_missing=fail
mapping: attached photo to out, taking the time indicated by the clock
3:21:26
